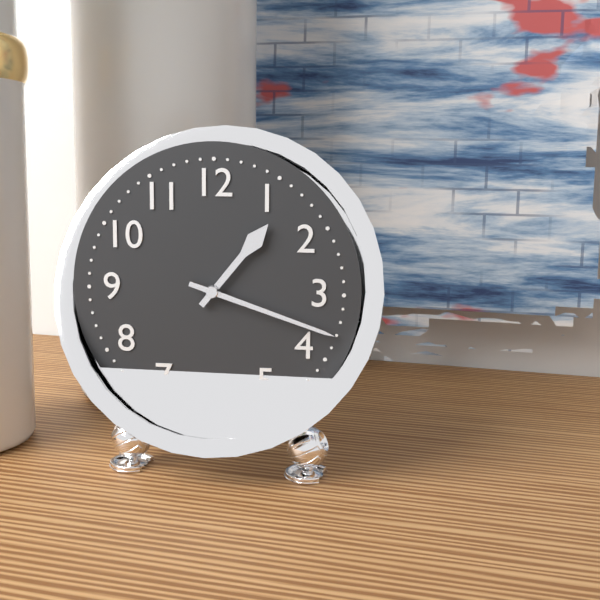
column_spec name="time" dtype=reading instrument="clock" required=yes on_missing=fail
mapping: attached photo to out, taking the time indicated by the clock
1:18
